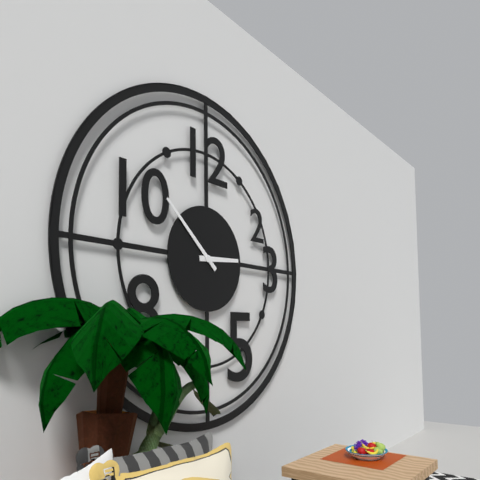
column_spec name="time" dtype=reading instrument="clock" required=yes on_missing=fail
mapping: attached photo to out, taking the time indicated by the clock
2:52
